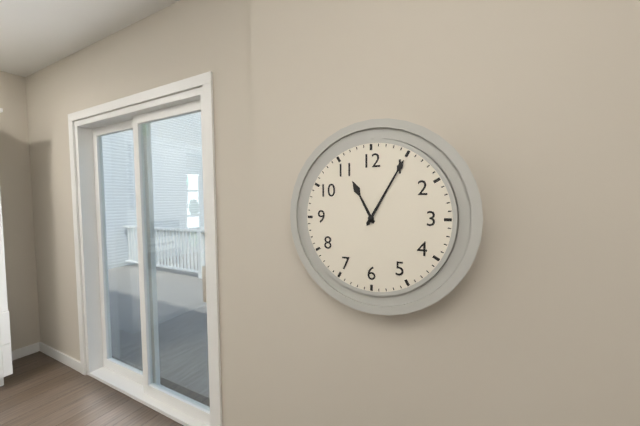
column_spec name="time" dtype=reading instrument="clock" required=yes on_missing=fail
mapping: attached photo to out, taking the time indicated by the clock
11:05
